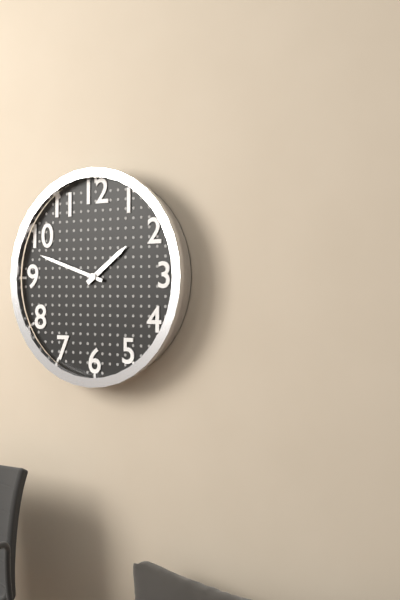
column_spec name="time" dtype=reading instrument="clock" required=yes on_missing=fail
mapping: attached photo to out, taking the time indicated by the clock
1:48
